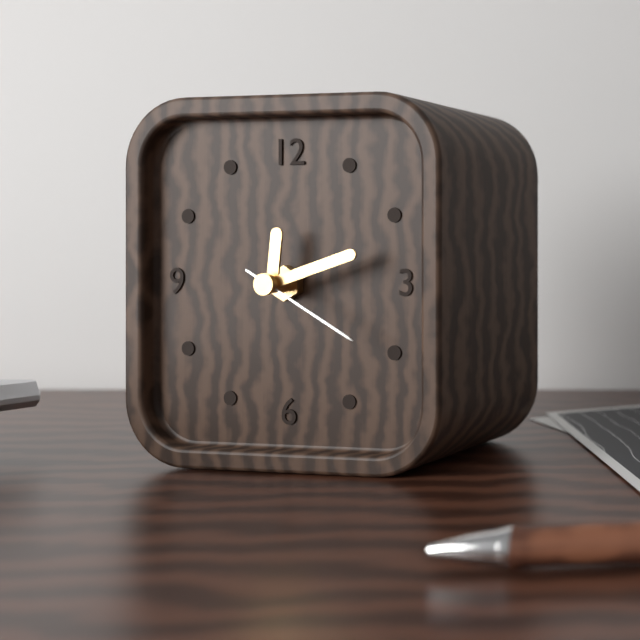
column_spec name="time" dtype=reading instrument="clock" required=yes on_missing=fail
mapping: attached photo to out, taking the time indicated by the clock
12:12:20
